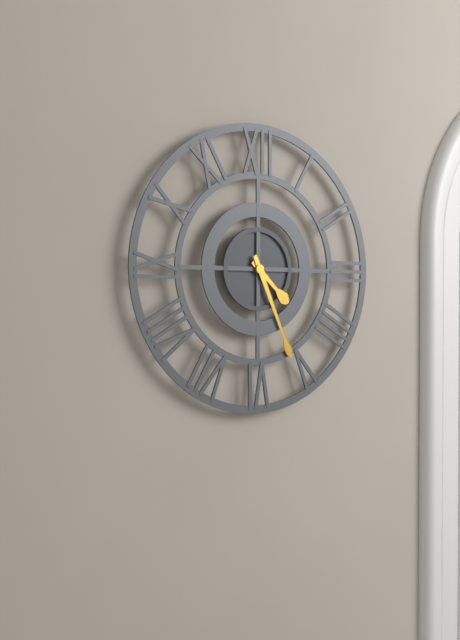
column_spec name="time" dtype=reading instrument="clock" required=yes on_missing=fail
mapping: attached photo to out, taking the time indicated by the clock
4:26
